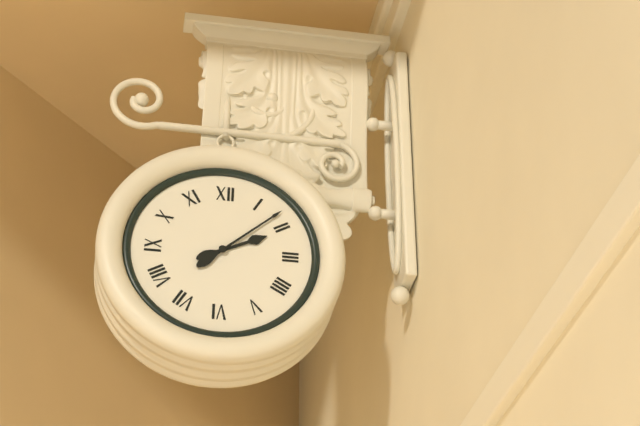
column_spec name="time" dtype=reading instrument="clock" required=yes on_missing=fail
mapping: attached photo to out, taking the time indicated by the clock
2:08
